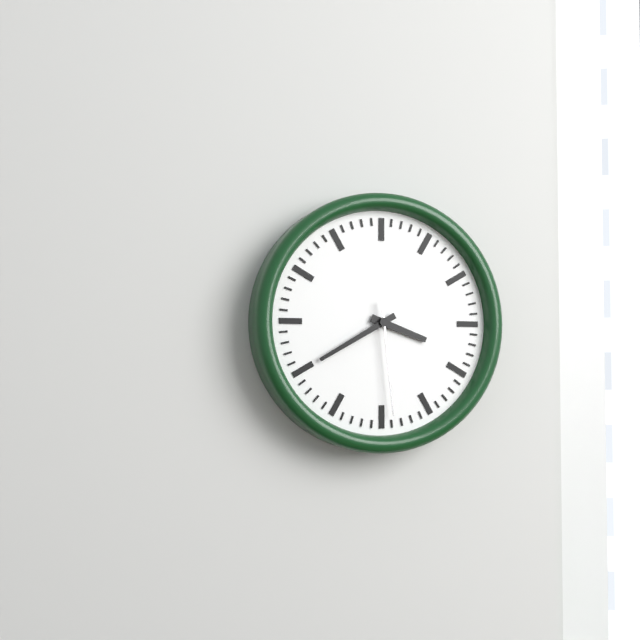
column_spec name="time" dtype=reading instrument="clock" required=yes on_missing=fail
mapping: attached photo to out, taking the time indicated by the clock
3:40:29
